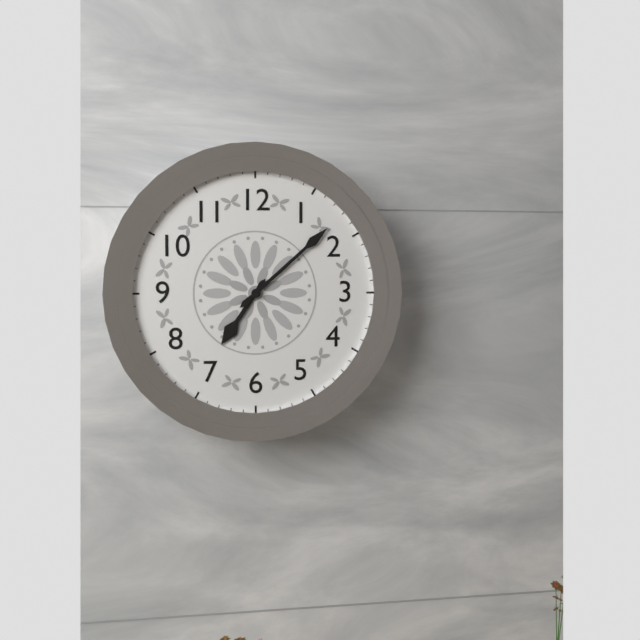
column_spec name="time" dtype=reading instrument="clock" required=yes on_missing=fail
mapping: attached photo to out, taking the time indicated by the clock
7:08
